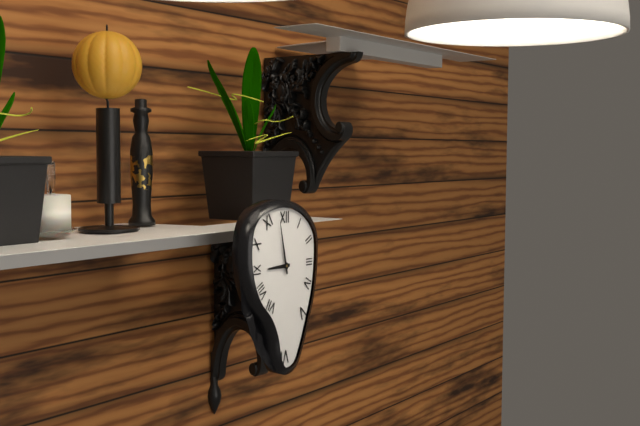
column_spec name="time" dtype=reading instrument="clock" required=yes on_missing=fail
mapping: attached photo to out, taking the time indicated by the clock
8:58
